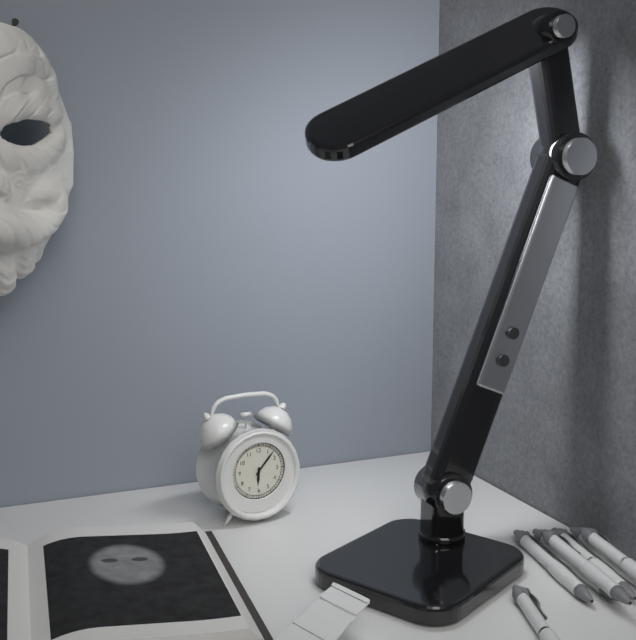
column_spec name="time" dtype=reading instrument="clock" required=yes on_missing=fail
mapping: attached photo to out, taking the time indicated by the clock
6:07
